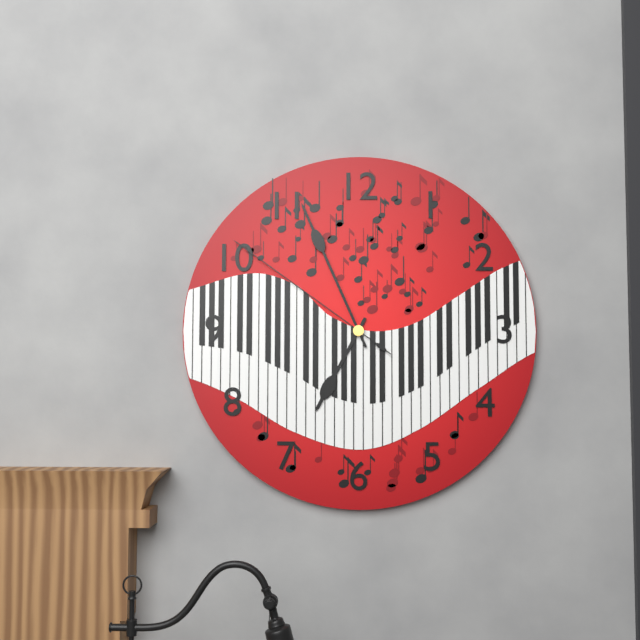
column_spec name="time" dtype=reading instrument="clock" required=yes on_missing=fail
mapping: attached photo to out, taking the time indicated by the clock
6:56:51
